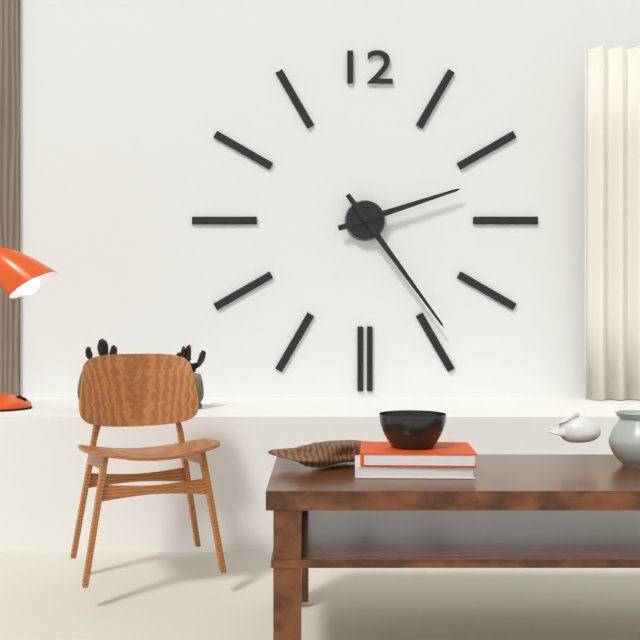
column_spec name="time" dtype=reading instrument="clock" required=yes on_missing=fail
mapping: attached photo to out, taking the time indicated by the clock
2:24
